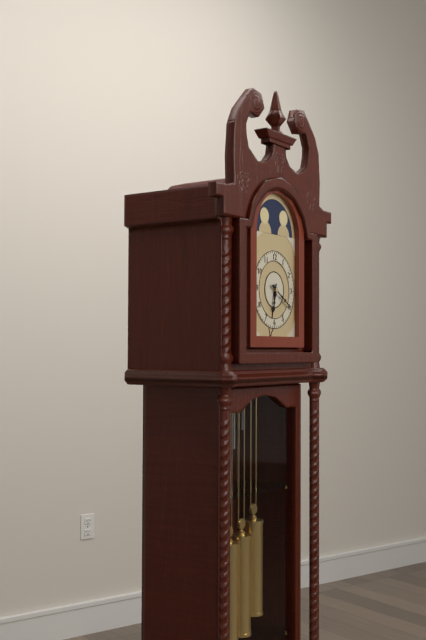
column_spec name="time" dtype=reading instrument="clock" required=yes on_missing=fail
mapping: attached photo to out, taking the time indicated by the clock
6:20
